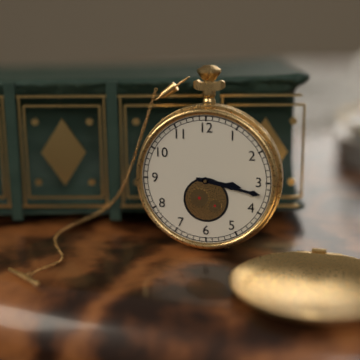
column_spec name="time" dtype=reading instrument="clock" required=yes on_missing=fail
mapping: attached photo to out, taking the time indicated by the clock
3:17
